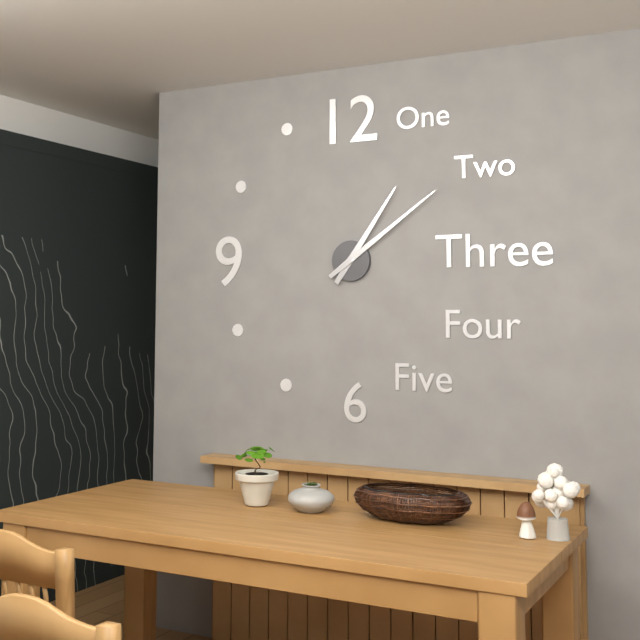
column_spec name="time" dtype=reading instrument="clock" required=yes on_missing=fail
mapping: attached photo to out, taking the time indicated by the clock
1:09
